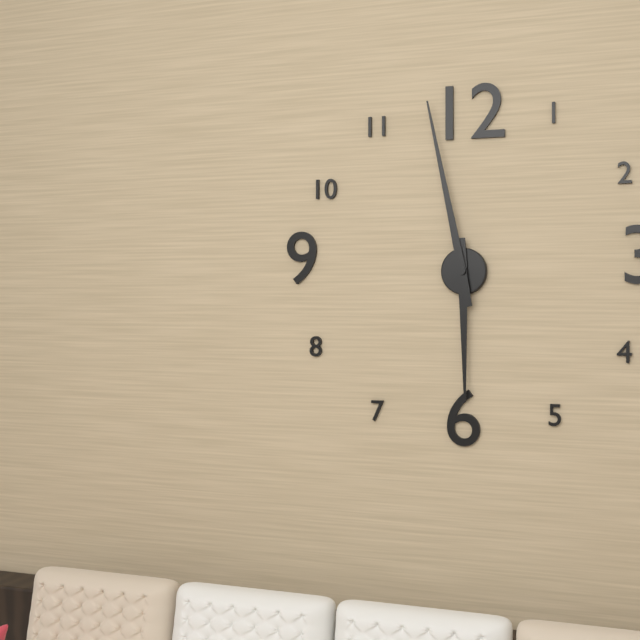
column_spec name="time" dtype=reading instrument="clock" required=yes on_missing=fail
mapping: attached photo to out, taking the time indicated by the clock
5:58
